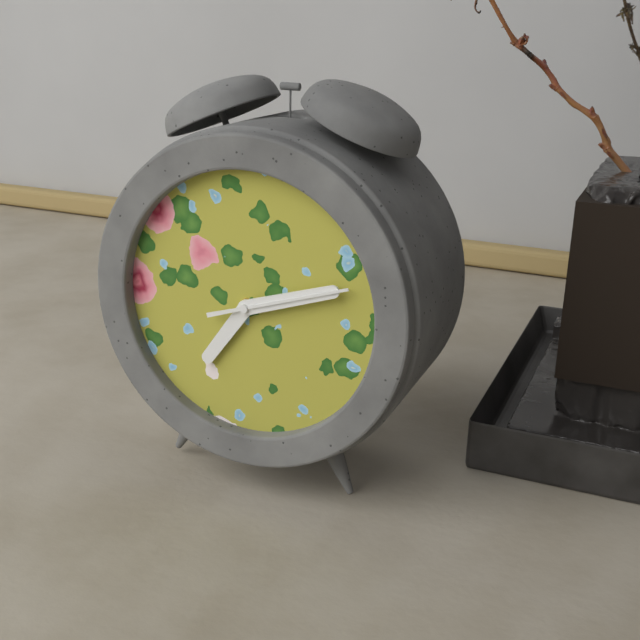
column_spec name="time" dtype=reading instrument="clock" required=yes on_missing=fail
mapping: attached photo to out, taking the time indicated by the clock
7:12:12
